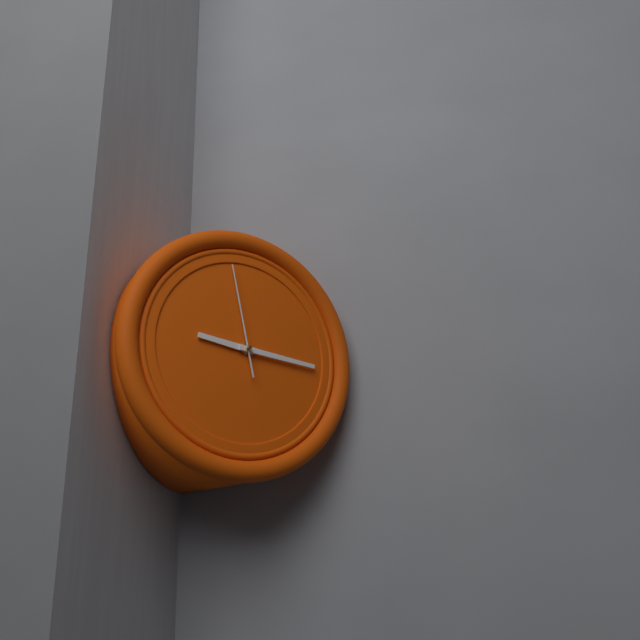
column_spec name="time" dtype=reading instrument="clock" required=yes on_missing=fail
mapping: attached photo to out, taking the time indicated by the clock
9:16:58
